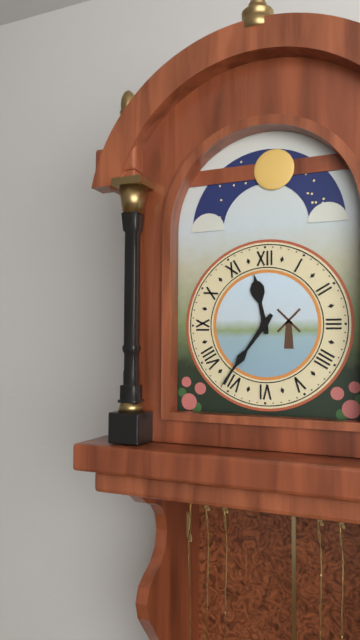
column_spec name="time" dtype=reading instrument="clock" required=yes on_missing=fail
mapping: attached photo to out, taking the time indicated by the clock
11:36
